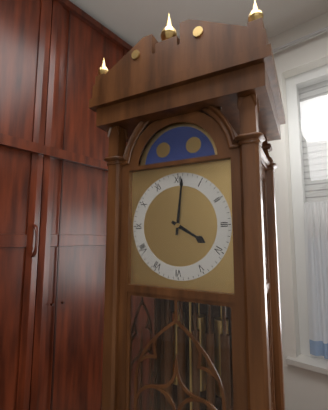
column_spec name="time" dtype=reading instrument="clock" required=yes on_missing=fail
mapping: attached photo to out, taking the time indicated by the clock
4:01
